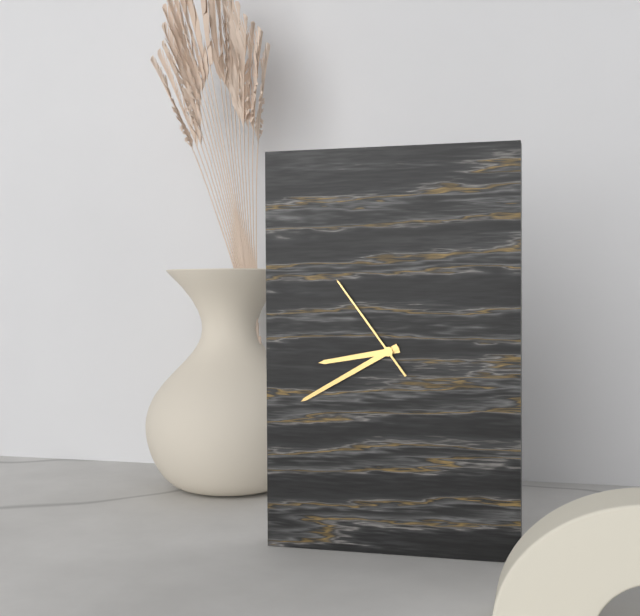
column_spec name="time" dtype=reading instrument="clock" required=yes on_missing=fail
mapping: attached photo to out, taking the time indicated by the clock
8:40:54
